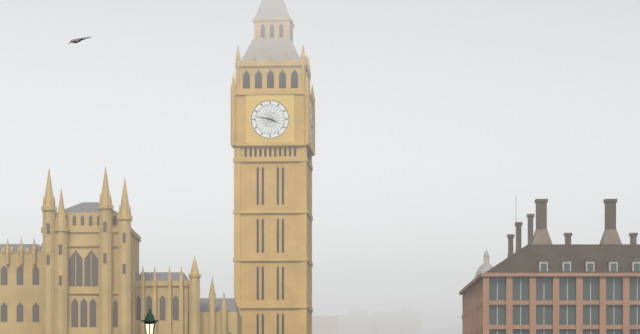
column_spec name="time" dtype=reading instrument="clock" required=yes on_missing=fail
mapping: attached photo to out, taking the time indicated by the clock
3:47
